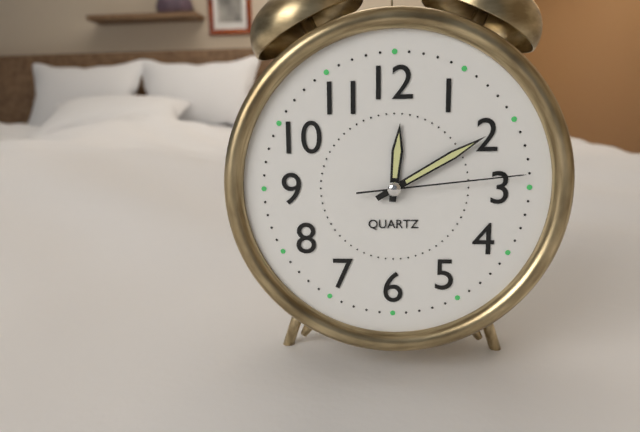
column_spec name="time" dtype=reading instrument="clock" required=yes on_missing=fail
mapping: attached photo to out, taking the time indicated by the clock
12:10:14
